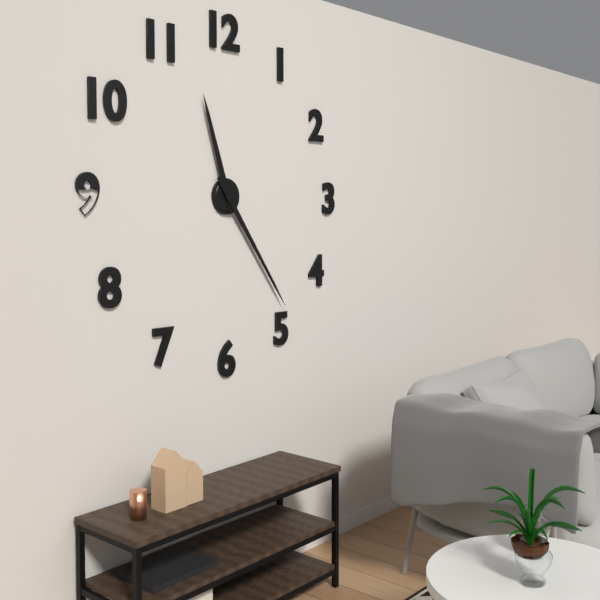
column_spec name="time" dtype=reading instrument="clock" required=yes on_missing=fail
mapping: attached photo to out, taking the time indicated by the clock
11:24
